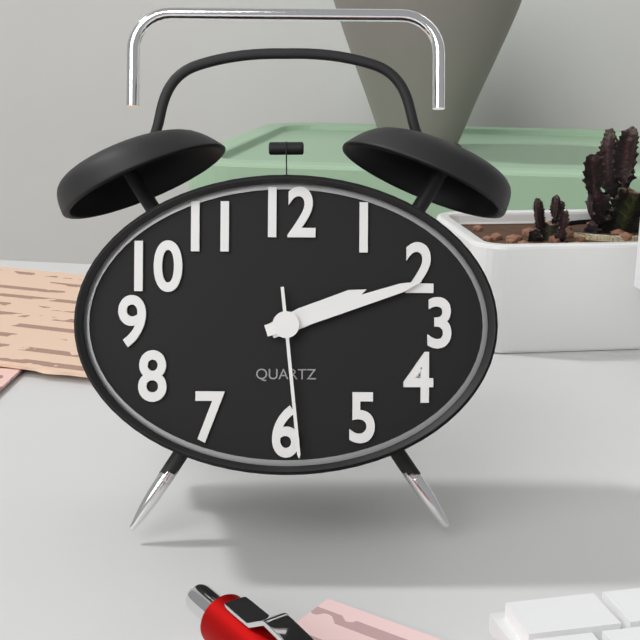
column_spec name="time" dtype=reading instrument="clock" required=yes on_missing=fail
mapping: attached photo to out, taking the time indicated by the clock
2:12:29
